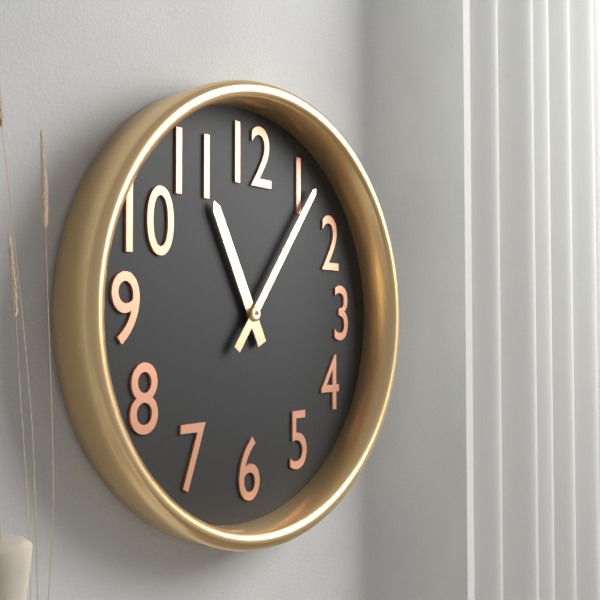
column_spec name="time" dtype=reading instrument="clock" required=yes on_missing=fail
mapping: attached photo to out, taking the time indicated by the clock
11:06
